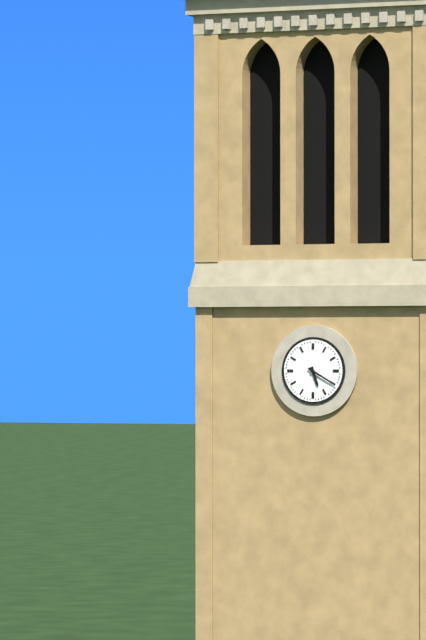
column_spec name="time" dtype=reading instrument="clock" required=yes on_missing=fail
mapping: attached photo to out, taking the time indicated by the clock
5:20
